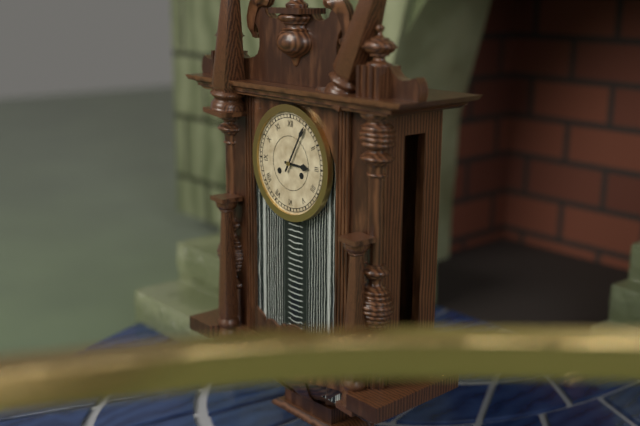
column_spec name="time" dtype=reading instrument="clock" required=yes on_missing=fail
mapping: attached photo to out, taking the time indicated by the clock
3:05
